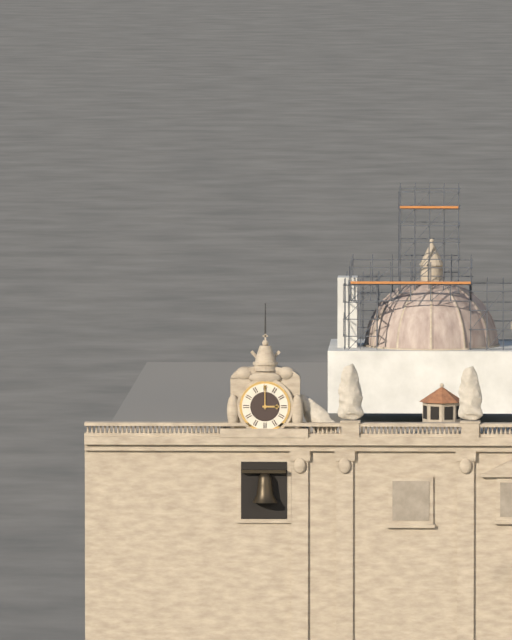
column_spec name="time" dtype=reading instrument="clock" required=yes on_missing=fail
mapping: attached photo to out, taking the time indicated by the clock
3:00
